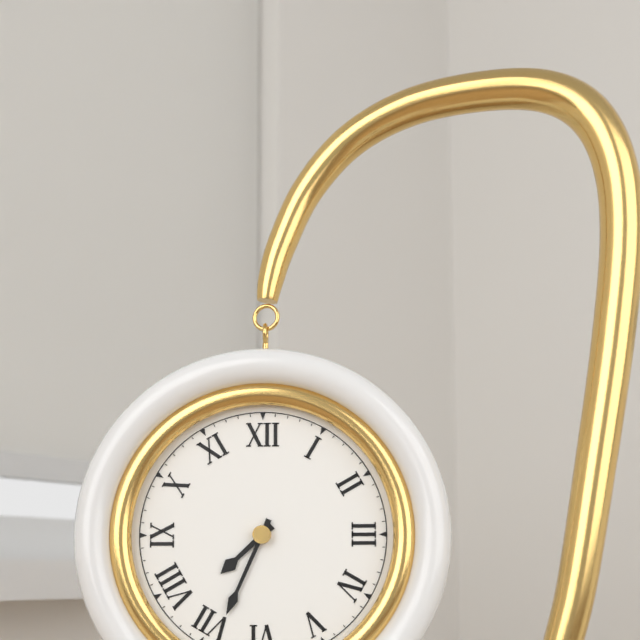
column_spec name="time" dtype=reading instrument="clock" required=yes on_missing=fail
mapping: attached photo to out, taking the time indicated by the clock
7:34
